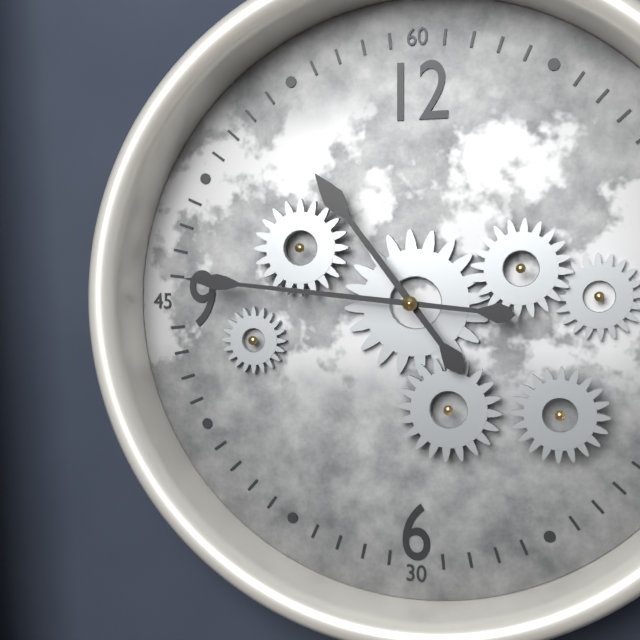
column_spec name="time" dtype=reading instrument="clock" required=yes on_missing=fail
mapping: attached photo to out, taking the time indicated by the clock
10:46
